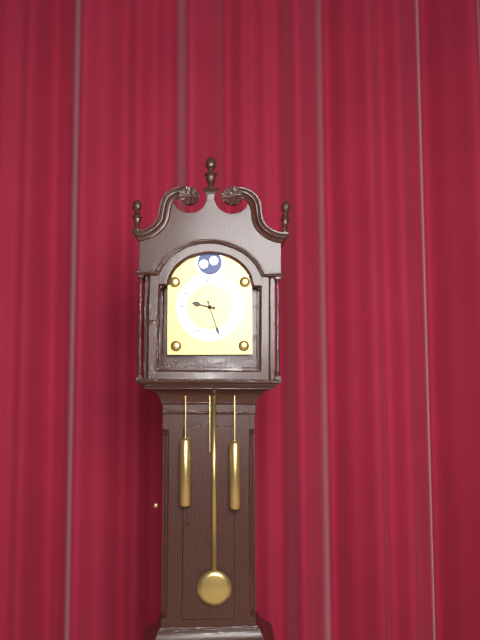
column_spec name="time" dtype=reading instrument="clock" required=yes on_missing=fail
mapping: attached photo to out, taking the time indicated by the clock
9:27
